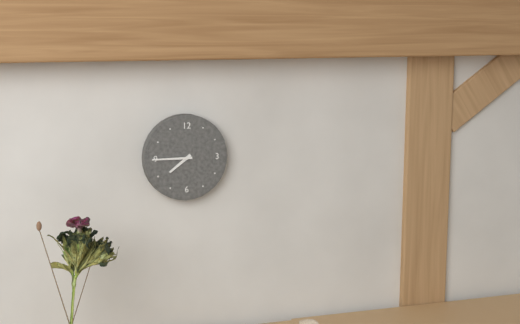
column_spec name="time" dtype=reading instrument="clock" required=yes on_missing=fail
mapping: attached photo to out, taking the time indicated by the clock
7:45
